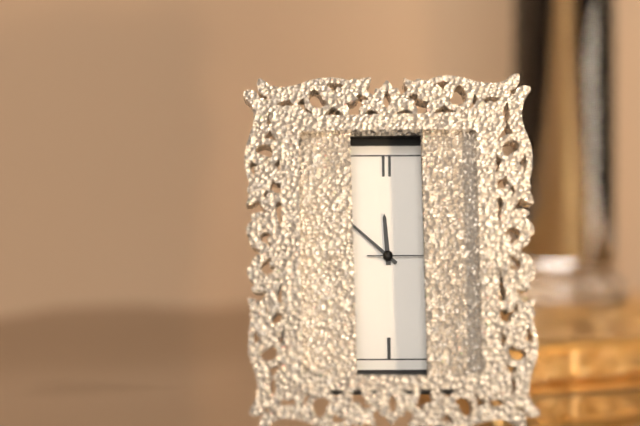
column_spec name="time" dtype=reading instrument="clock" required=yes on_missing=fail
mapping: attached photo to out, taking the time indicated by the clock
11:52:15
